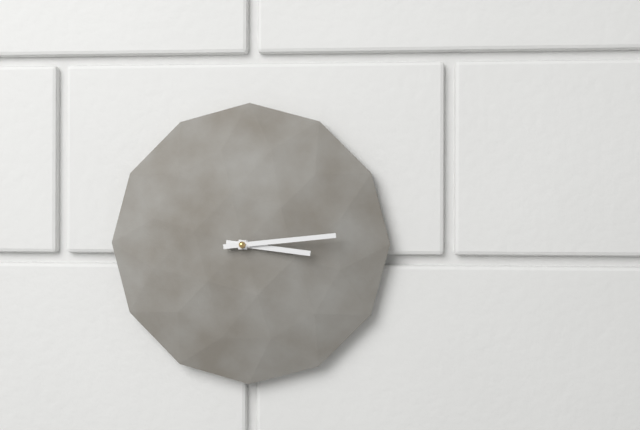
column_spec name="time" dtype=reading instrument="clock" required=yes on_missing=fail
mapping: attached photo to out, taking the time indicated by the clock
3:14
